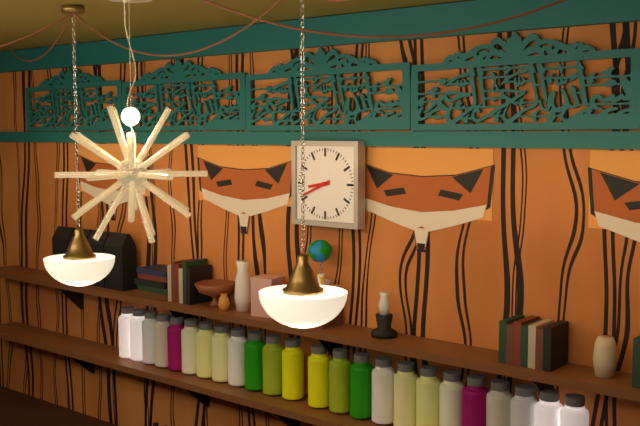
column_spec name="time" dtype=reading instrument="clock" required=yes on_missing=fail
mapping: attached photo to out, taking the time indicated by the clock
8:41
